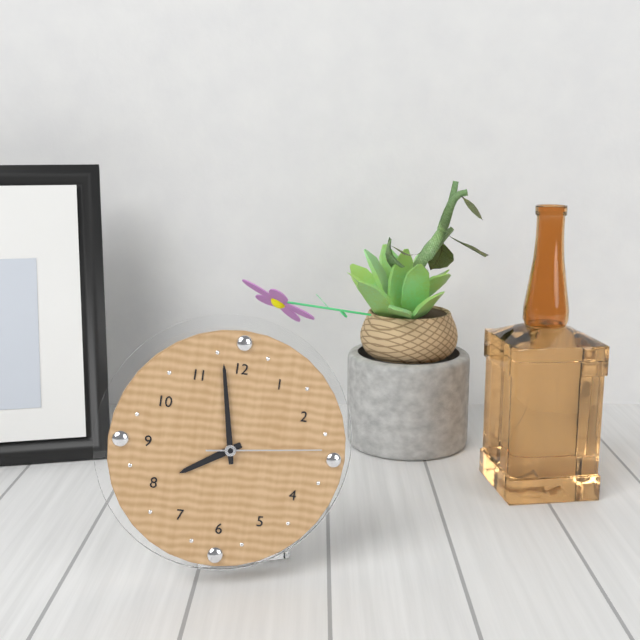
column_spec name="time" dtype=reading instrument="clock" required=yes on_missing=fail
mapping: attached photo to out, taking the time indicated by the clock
7:58:14
